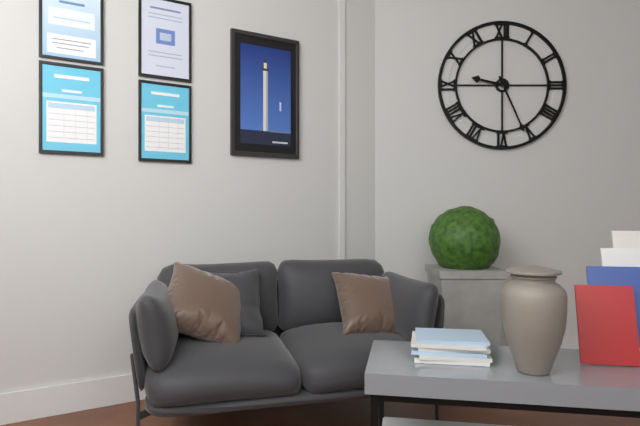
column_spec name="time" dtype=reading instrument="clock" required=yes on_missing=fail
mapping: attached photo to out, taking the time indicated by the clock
9:26
